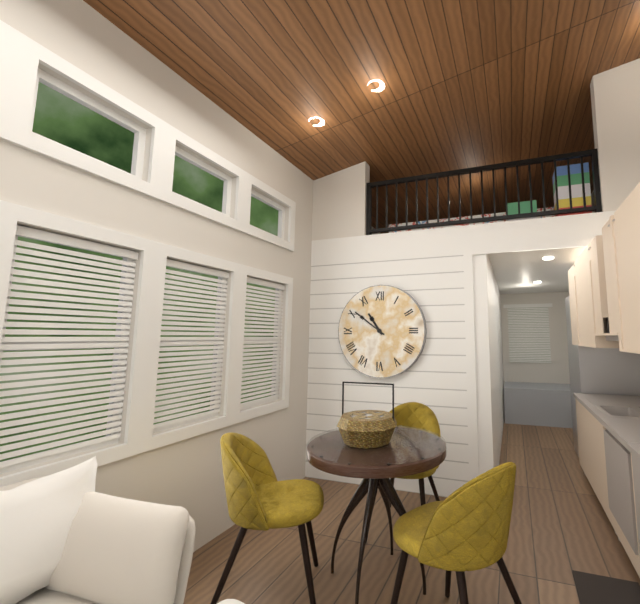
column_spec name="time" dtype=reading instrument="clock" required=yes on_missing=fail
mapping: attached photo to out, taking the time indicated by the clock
10:51
